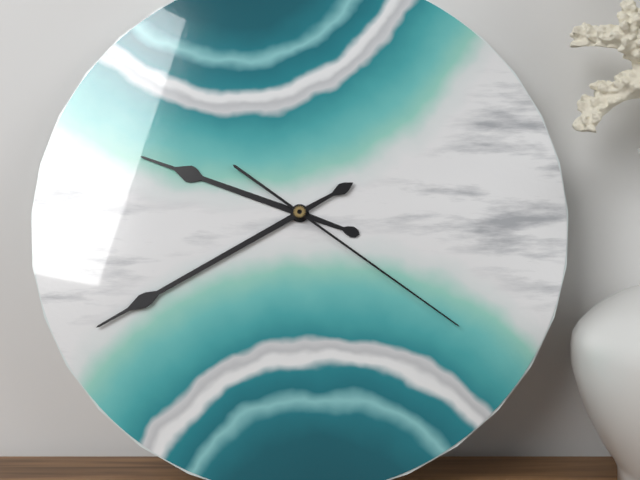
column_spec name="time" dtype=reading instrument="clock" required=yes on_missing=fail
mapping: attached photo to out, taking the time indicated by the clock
9:40:21
